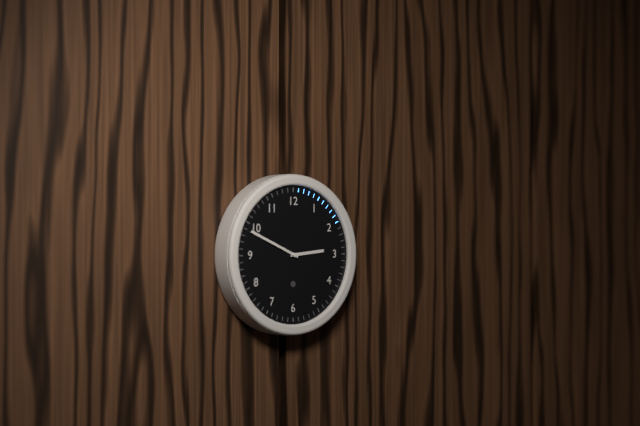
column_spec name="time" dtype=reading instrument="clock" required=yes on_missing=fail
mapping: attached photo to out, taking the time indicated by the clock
2:49
